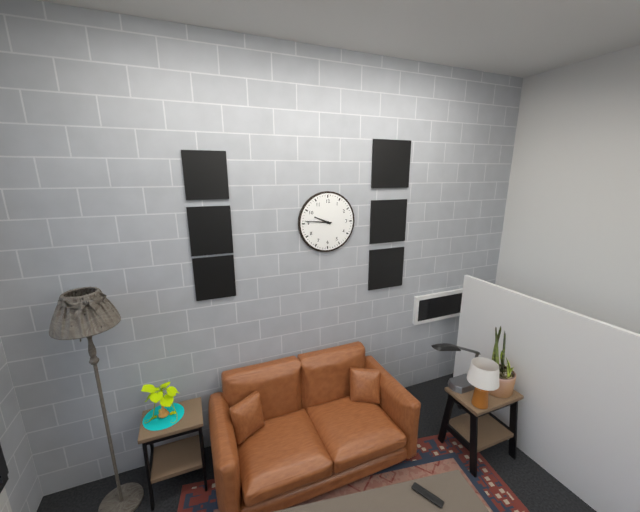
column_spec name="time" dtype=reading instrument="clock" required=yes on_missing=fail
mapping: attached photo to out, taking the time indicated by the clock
9:46
